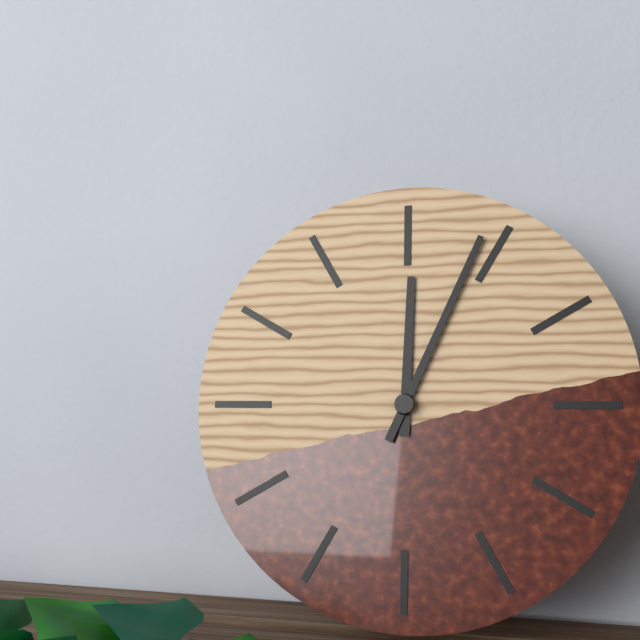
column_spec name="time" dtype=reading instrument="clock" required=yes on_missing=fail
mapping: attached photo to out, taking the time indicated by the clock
12:04
